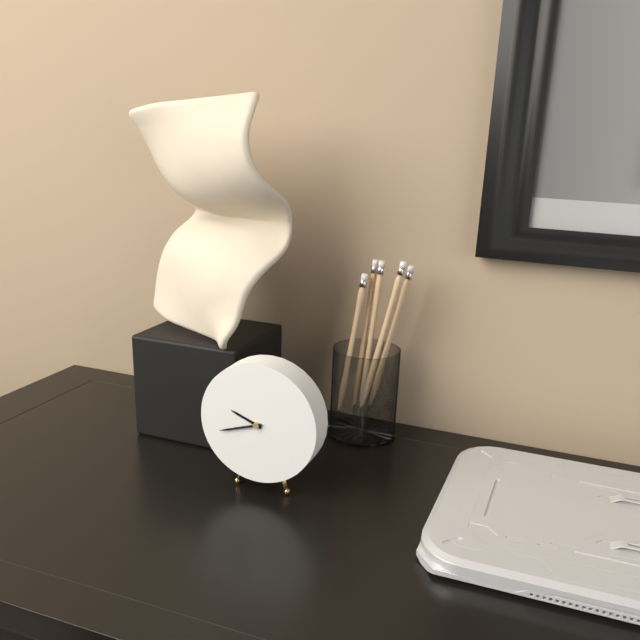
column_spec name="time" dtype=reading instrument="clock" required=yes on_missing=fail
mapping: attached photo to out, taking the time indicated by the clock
9:42
